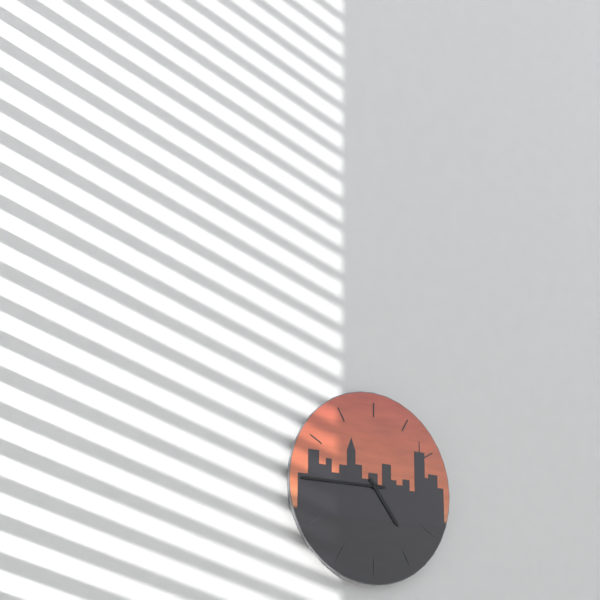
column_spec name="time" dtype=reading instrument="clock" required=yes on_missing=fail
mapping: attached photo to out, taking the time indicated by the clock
4:45
